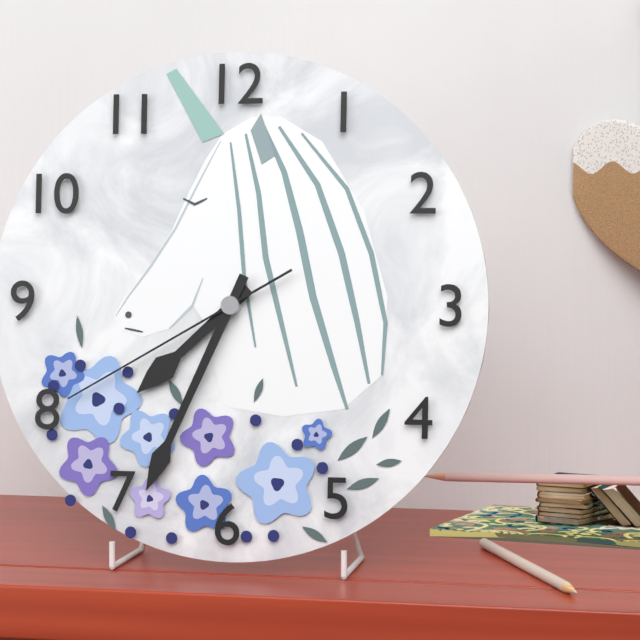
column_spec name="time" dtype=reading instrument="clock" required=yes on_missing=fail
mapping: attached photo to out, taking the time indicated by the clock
7:34:40
